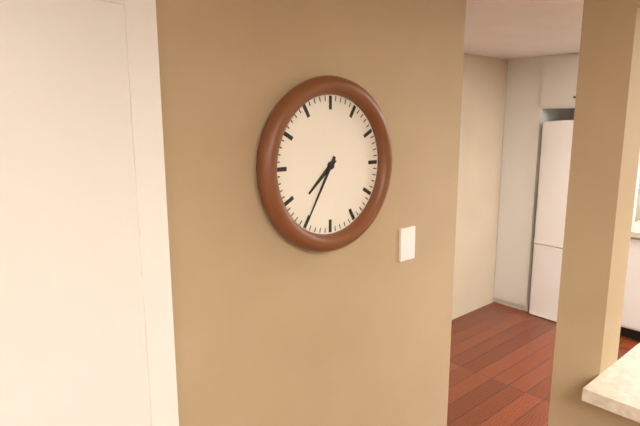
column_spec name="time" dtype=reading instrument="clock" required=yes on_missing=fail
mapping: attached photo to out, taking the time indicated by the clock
7:35
